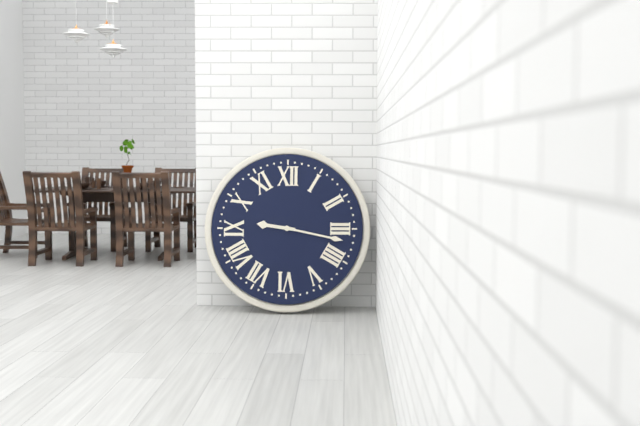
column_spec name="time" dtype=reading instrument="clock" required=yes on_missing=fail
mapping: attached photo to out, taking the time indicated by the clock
9:17
